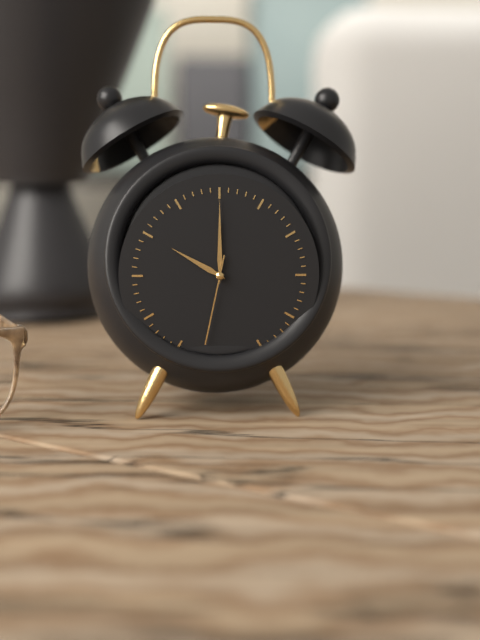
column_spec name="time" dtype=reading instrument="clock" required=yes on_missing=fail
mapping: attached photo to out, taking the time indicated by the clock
10:00:32
